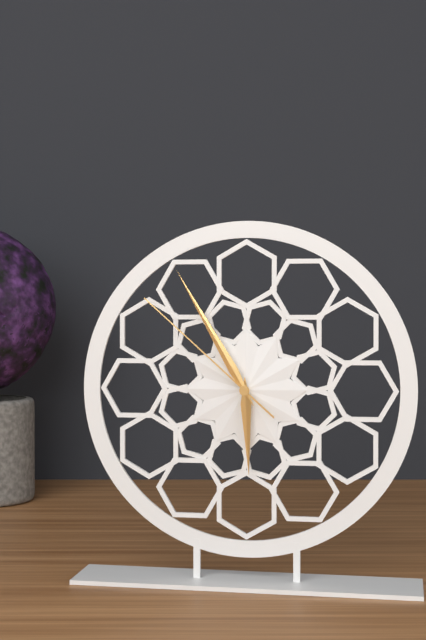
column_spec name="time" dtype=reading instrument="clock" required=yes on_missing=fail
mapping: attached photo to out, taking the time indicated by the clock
5:55:52
